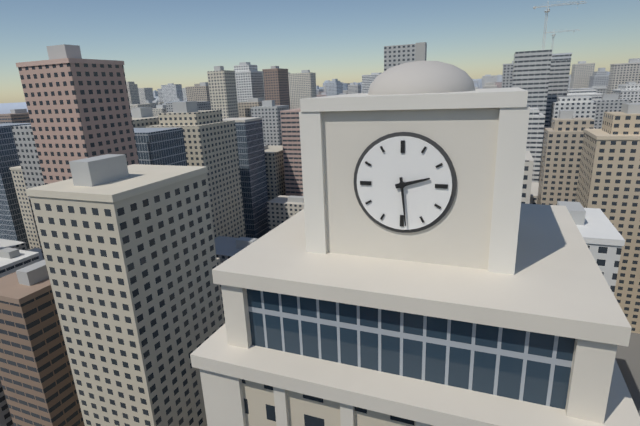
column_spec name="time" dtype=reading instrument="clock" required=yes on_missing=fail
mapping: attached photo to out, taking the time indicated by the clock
2:29
